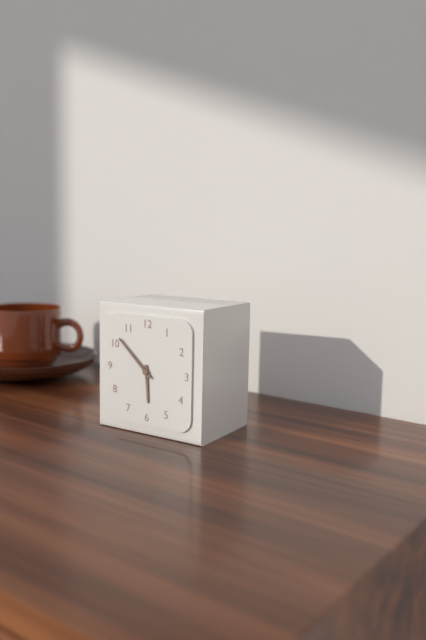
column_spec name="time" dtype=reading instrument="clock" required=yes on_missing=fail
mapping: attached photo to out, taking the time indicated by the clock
5:52
